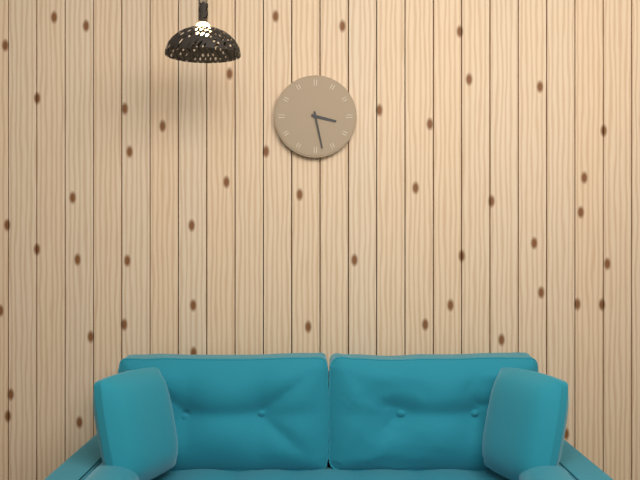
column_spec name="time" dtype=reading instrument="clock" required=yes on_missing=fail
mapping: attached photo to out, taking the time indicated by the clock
3:28
